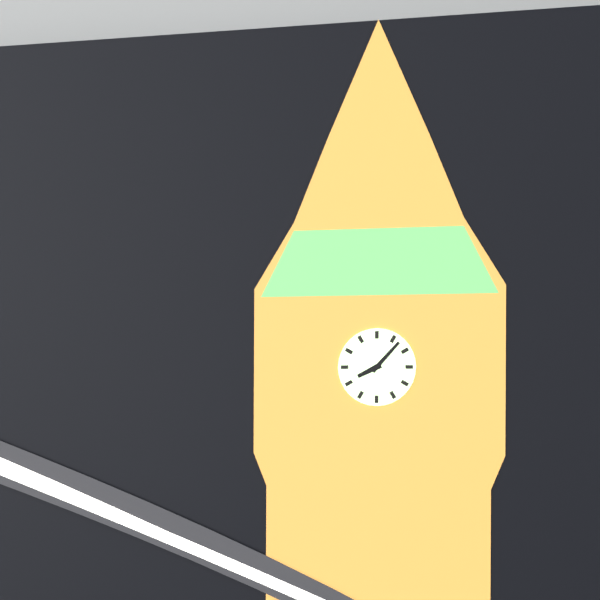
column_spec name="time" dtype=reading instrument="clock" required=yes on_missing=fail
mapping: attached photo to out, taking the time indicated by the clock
8:07
